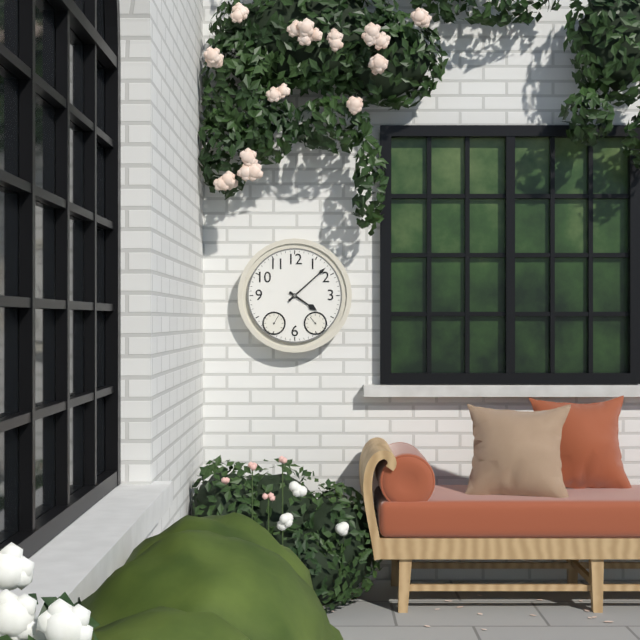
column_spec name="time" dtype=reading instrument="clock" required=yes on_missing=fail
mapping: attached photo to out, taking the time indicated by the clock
4:08
